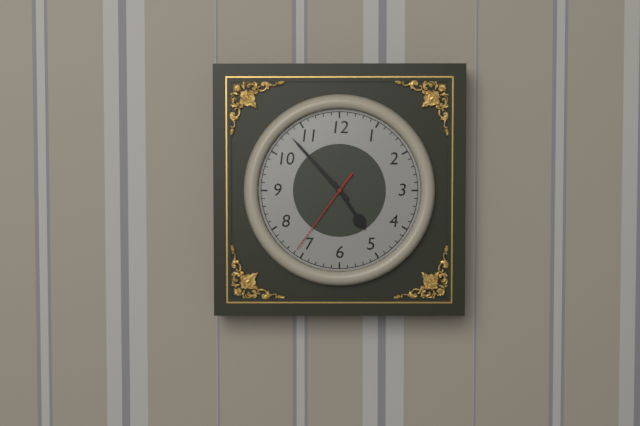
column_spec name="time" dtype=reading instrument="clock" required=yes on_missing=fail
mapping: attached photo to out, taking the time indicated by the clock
4:53:36
